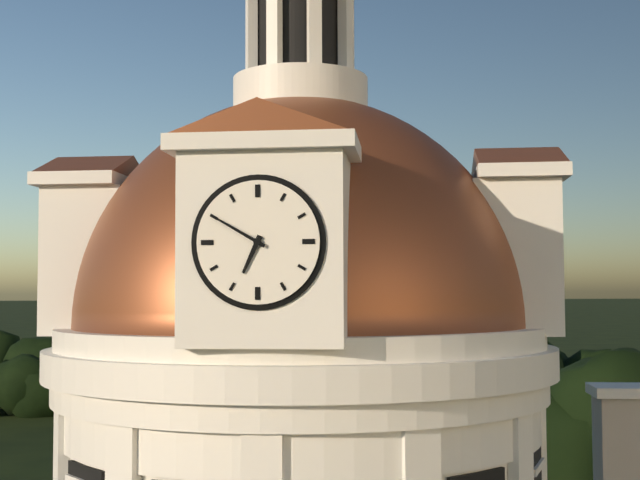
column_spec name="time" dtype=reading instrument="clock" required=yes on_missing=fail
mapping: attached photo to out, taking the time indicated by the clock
6:50
